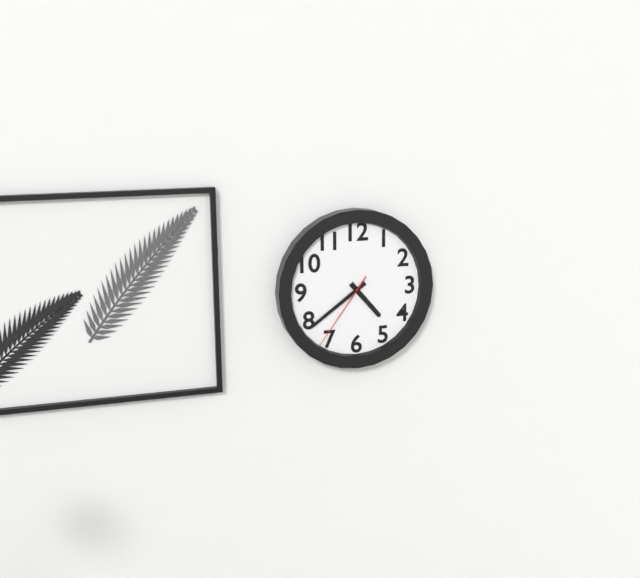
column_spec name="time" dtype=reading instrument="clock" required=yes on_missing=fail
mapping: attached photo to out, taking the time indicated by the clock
4:39:36
